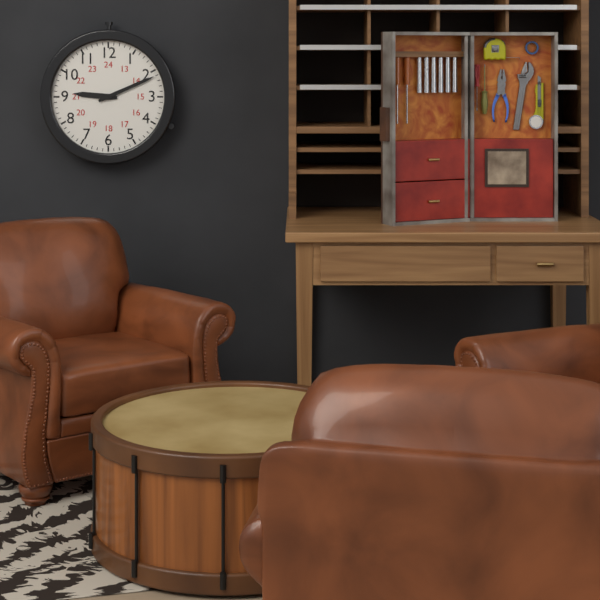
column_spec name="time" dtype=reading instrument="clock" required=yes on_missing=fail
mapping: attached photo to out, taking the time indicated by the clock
9:11
